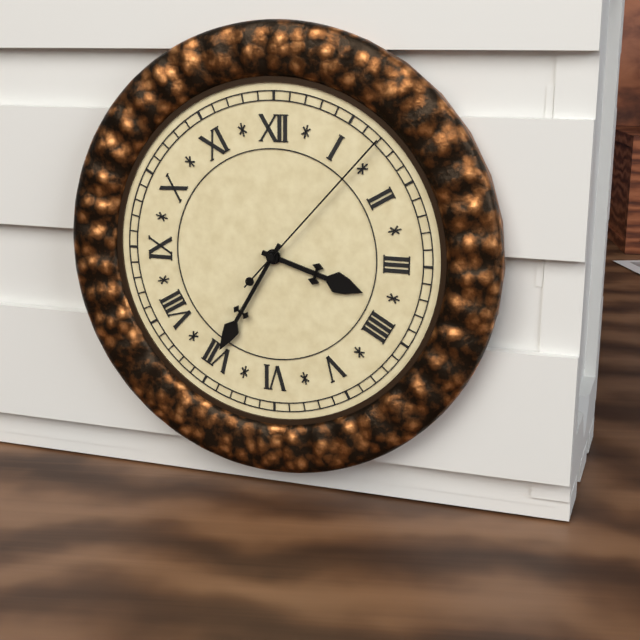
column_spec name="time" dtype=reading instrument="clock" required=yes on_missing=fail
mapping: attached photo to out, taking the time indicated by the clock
3:35:07
